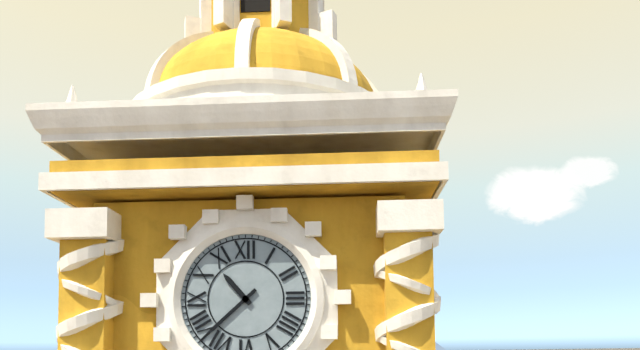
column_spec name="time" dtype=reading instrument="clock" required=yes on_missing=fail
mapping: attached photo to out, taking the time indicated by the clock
10:38
